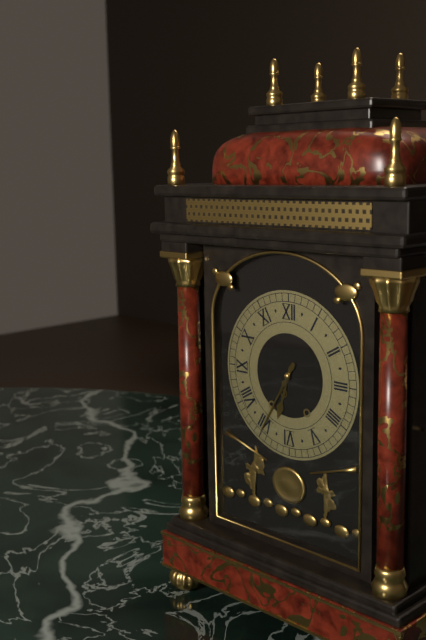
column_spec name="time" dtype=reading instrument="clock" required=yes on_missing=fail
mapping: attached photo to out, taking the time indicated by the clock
6:35
